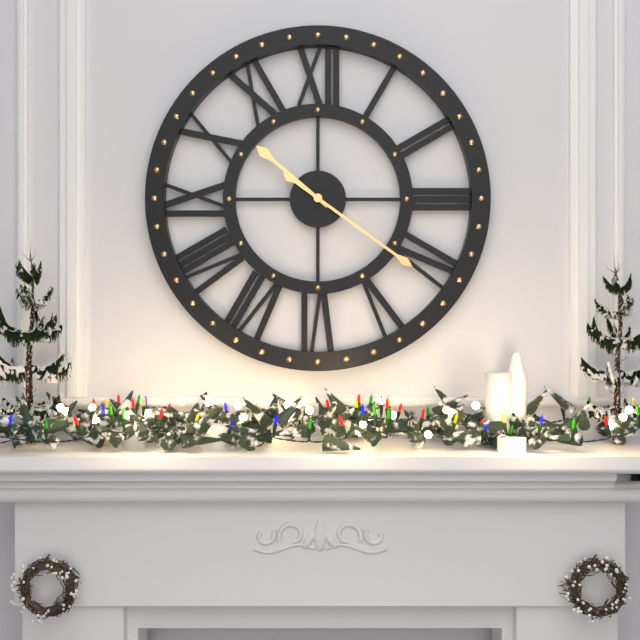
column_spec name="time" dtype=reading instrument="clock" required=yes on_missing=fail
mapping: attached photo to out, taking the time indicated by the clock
10:21
